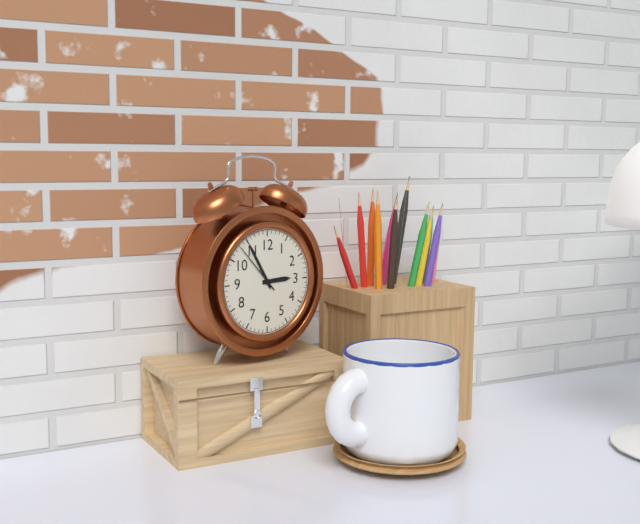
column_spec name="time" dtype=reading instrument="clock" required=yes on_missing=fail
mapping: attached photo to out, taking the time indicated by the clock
2:55:53
